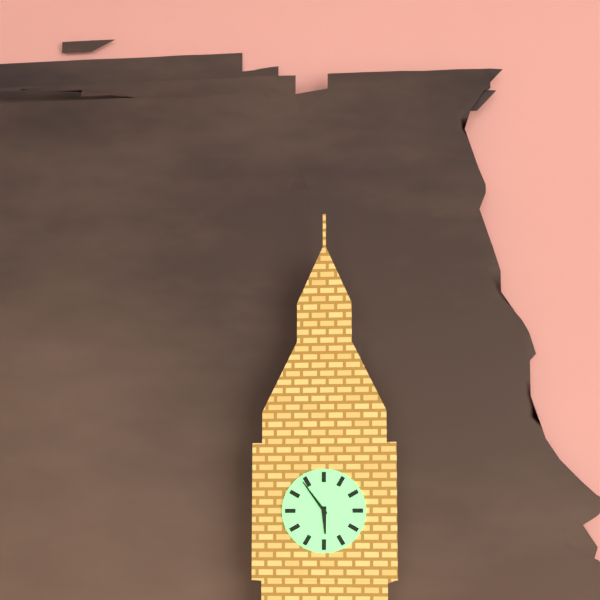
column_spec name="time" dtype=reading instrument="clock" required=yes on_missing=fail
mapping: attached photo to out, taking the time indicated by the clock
5:54
